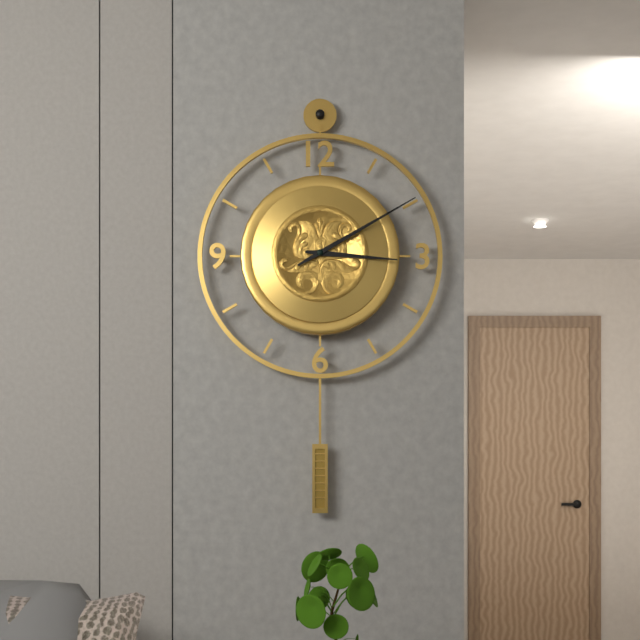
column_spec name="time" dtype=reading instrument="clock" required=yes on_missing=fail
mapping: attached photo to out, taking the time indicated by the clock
3:10
